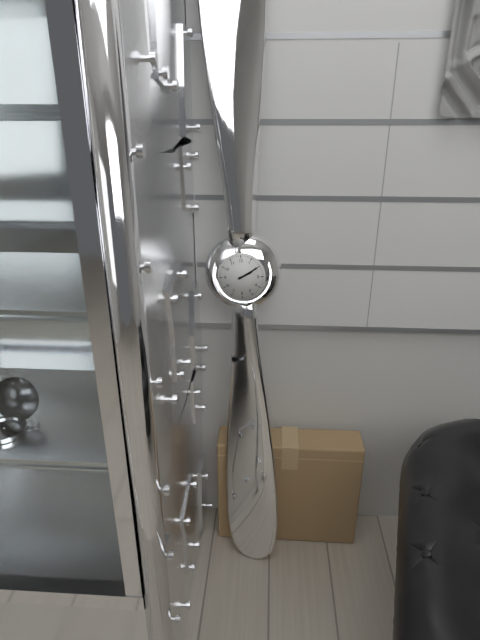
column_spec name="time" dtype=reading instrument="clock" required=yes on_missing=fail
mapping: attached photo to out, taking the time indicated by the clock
2:10
